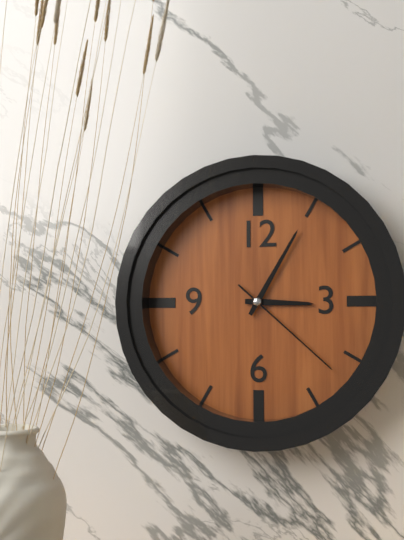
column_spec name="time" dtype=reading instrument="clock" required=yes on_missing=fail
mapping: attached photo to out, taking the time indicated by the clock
3:05:22
